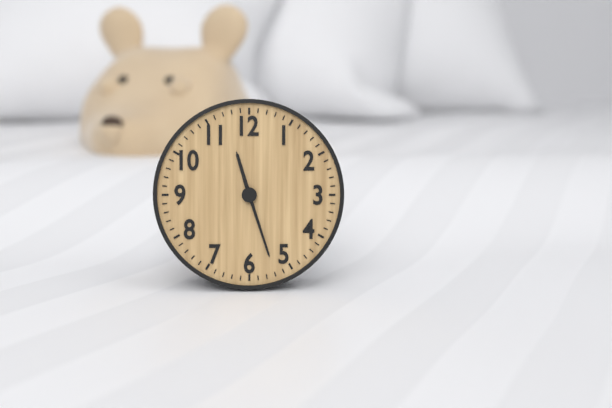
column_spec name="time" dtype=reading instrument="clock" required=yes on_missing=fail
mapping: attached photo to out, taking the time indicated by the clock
11:27
